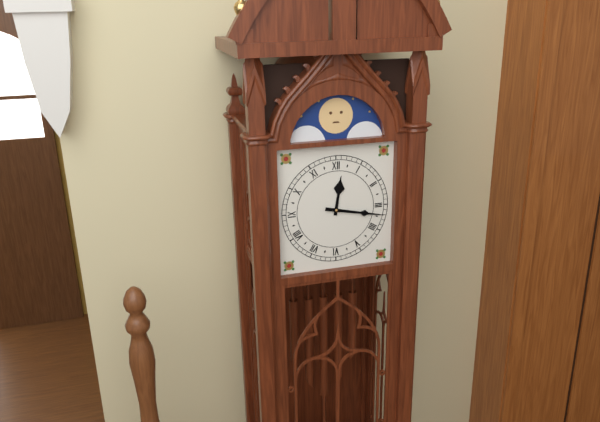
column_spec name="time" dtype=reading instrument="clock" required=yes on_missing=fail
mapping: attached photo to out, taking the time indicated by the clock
12:17
